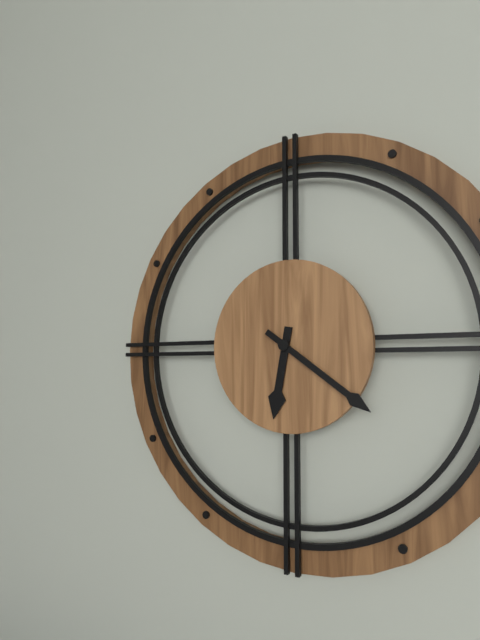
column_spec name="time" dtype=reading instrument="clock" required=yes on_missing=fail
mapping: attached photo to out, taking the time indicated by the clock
6:21
